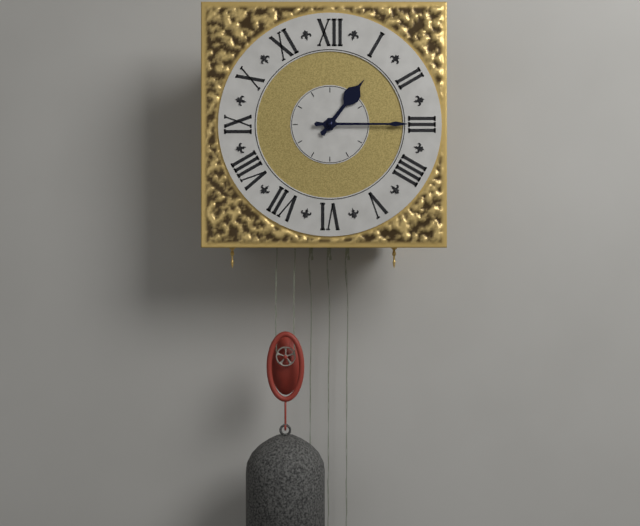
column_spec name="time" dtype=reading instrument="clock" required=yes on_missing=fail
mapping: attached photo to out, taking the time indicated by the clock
1:15
